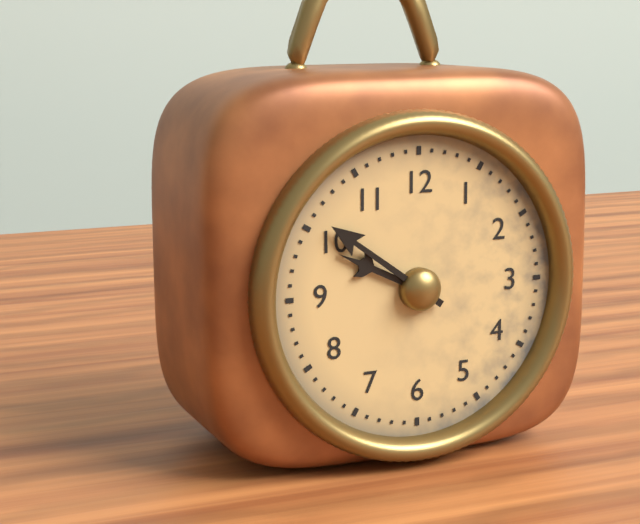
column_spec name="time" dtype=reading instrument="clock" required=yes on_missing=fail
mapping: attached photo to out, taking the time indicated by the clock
9:51
